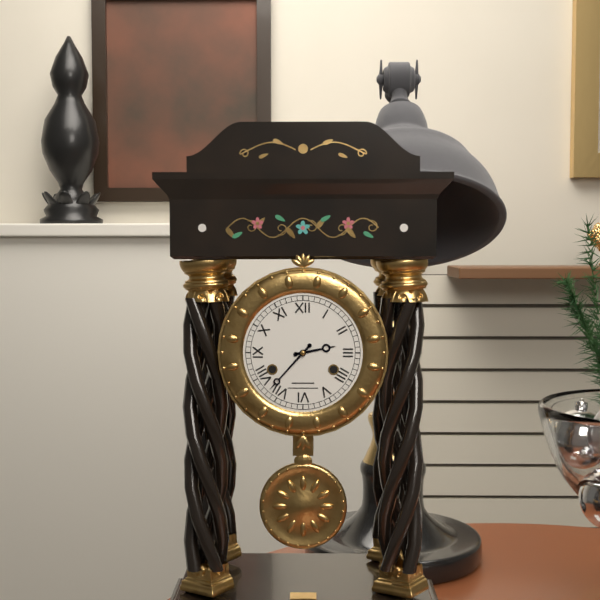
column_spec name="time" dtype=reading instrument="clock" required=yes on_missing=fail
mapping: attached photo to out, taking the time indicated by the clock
2:37
